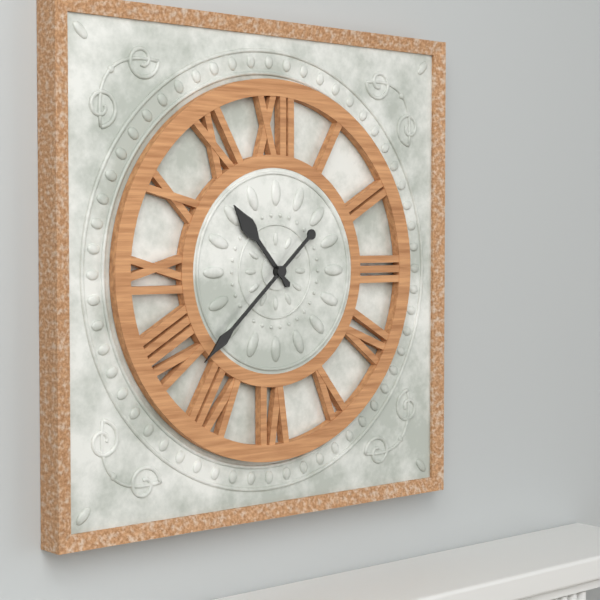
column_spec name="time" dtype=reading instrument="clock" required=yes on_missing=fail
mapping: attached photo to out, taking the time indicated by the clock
10:38
